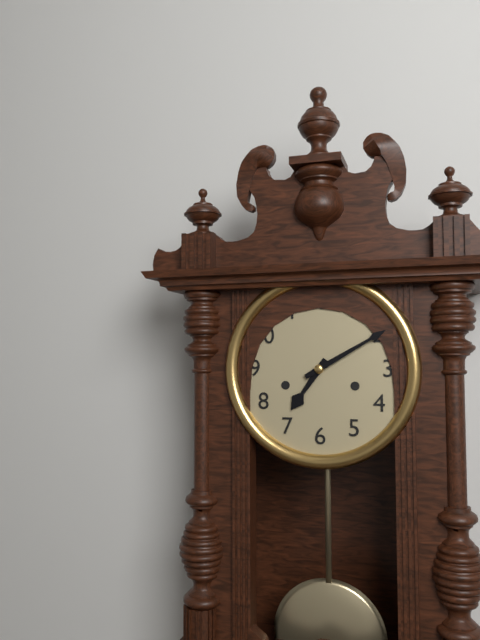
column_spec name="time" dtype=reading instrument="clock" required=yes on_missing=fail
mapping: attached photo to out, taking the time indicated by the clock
7:10
